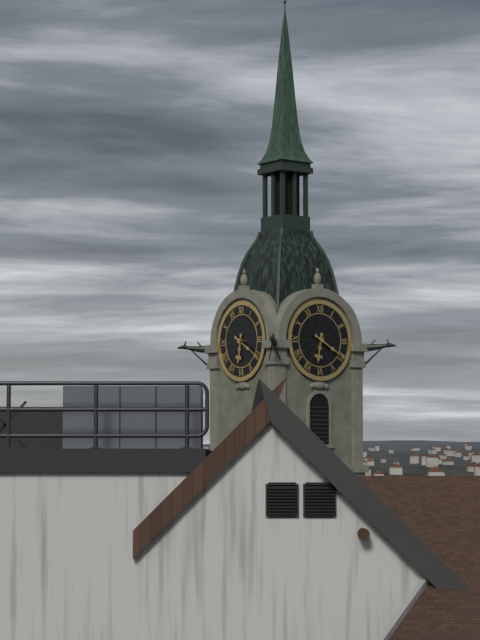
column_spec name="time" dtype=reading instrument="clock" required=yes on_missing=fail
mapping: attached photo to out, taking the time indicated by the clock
6:20
